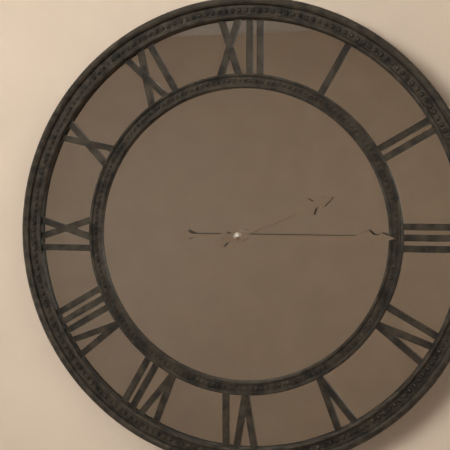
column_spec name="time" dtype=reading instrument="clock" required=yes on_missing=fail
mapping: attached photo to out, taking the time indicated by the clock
2:15
